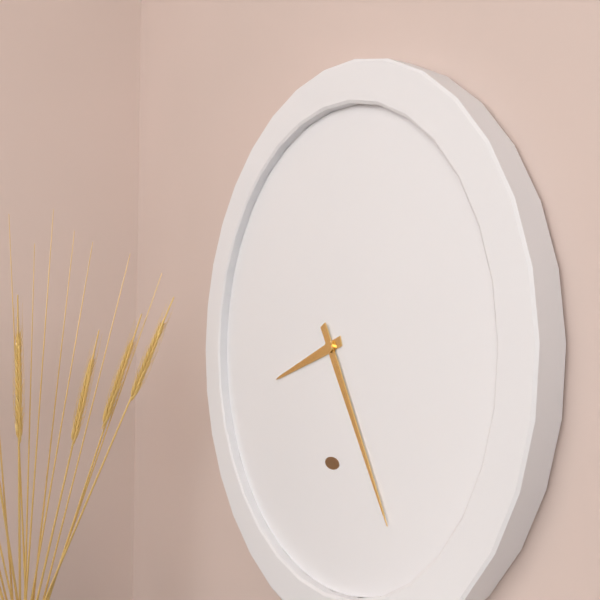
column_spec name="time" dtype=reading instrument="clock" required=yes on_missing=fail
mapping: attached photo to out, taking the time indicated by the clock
8:25
